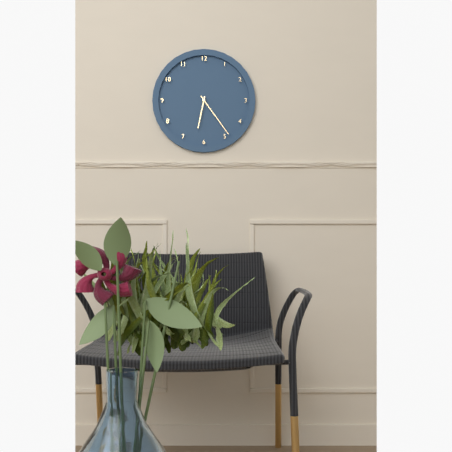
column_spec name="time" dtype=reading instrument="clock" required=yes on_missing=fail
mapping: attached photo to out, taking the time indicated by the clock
6:24
